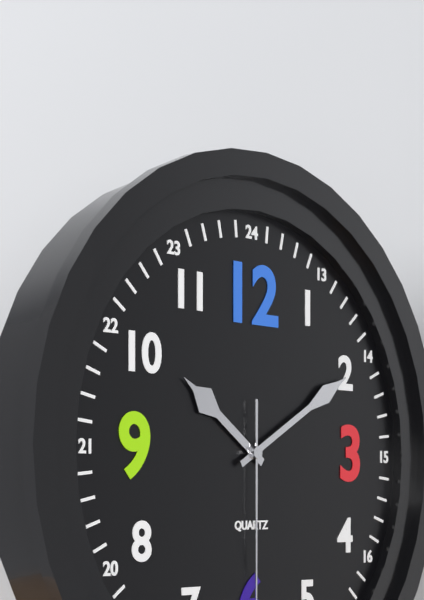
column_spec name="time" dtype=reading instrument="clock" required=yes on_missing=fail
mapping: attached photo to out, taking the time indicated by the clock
10:10
